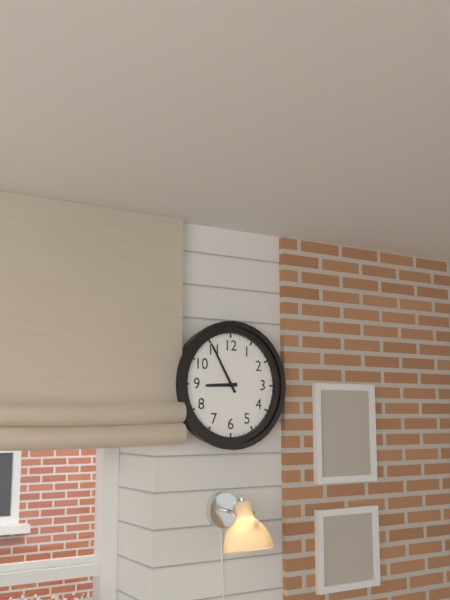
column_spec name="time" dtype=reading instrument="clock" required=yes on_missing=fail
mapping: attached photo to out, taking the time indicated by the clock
8:55
